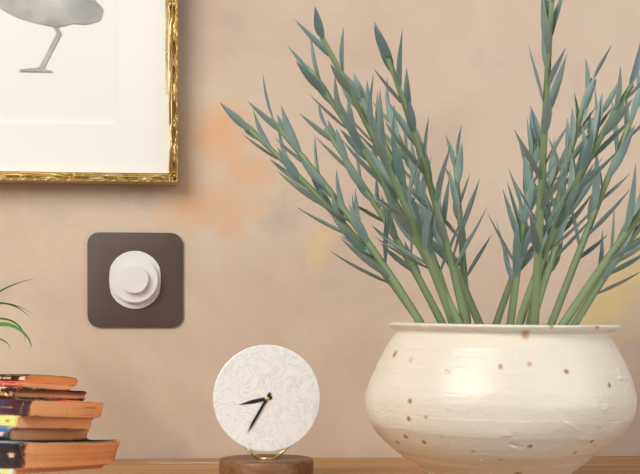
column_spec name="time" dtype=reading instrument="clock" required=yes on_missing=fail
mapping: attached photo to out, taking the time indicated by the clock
8:35
